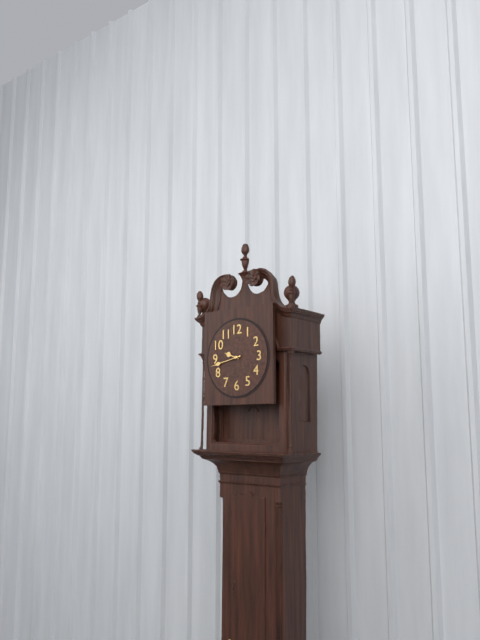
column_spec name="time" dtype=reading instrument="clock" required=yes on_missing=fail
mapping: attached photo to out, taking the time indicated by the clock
9:43
